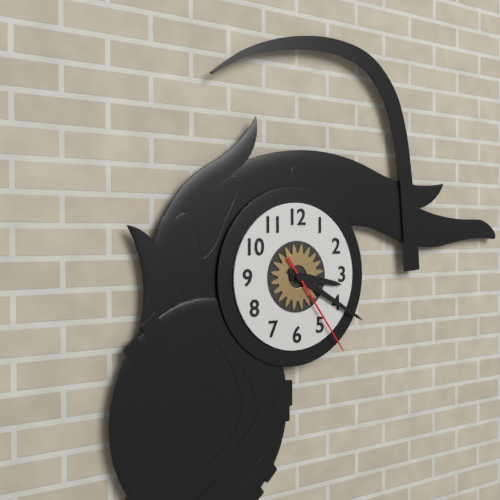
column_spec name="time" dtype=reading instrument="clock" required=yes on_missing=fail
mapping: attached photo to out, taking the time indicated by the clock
3:20:24
